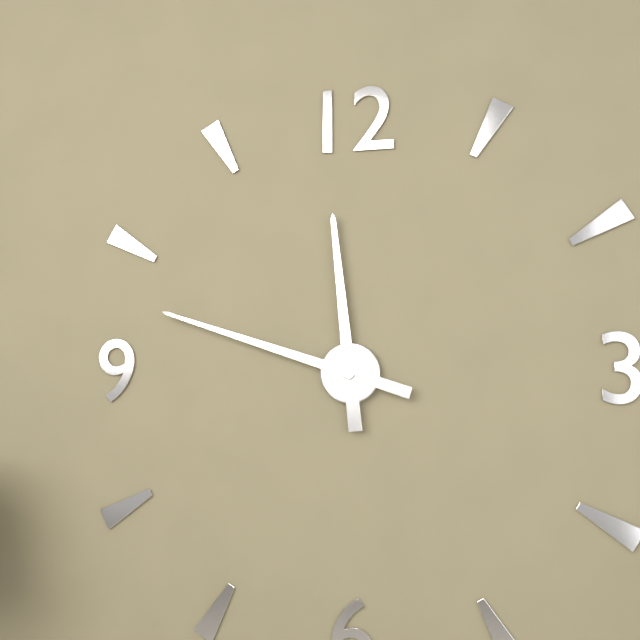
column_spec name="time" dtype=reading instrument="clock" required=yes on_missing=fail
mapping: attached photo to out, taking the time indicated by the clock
11:48
